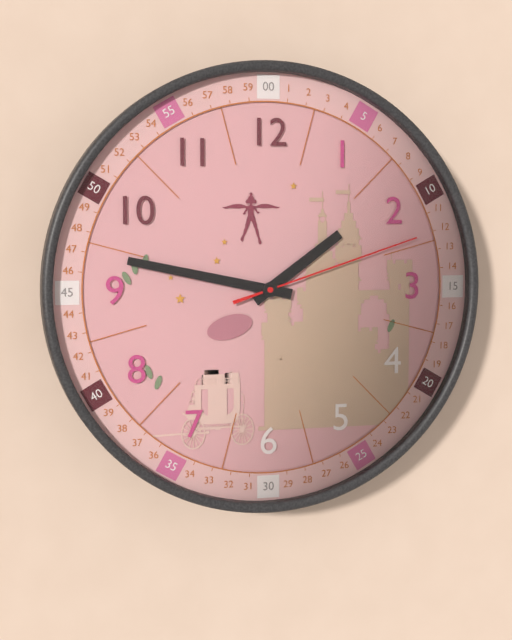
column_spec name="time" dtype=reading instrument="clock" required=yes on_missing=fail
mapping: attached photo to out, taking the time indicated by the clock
1:47:12
